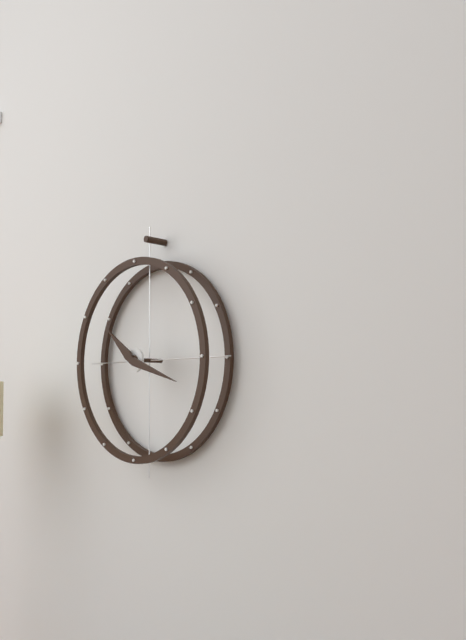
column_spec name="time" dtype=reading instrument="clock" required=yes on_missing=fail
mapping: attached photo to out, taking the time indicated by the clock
10:18
